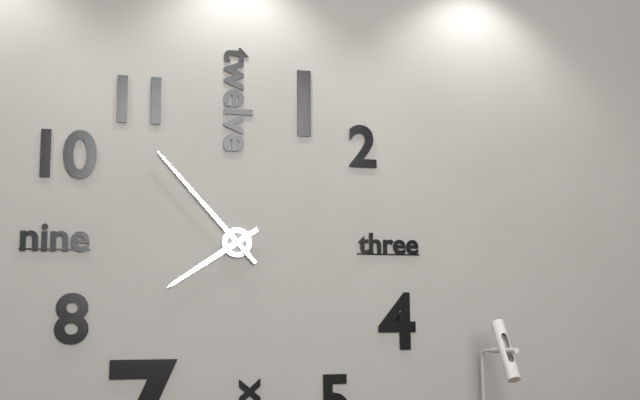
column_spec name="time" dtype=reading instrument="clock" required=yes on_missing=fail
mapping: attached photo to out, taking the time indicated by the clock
7:53
